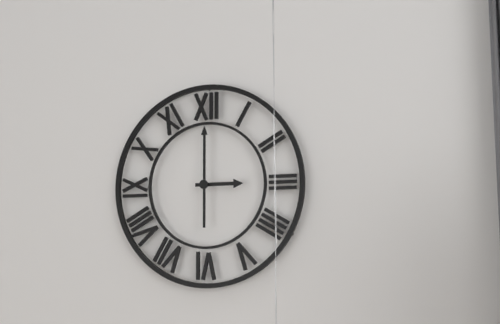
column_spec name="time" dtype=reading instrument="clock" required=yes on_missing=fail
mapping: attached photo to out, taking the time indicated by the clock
3:00
